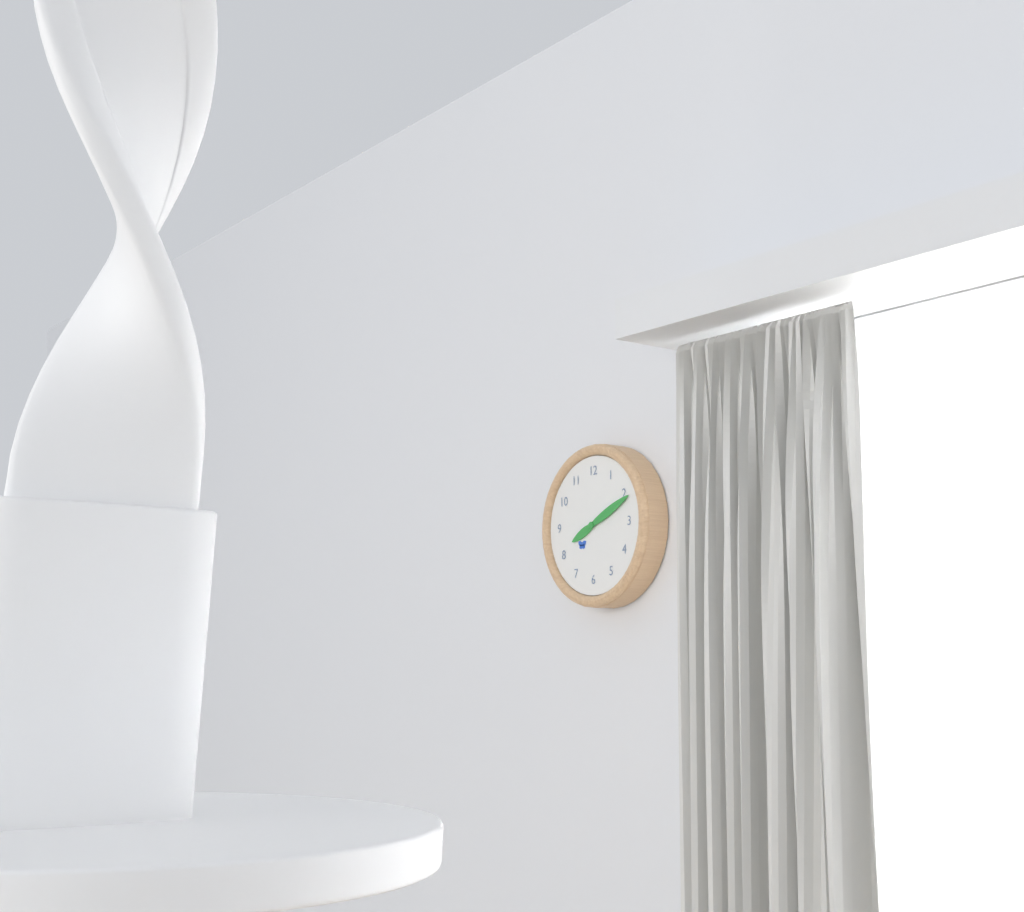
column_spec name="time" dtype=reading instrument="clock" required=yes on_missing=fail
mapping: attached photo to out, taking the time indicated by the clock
8:11
